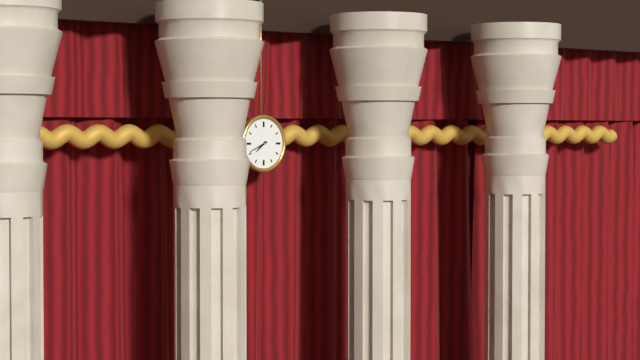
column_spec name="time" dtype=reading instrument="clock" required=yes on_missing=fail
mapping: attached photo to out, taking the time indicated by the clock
7:41
